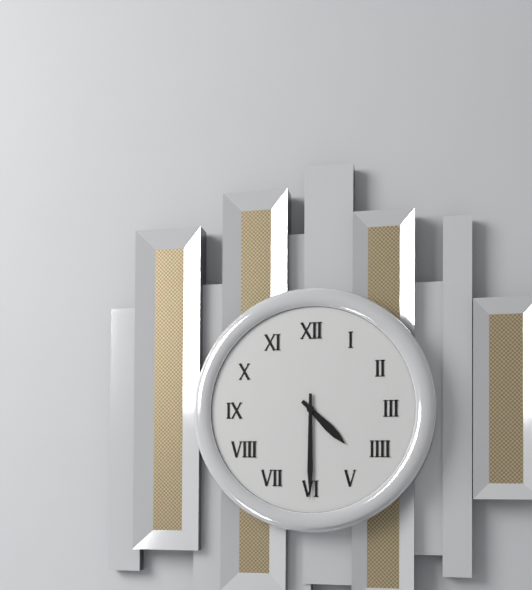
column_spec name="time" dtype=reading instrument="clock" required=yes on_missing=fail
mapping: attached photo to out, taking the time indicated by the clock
4:30
